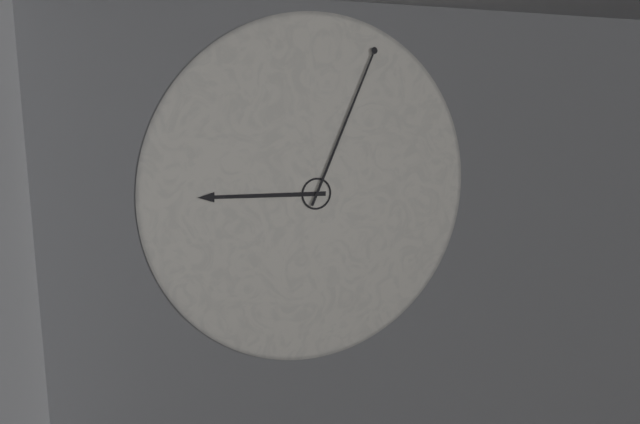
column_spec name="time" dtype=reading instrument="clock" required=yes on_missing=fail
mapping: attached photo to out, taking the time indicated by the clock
9:04
